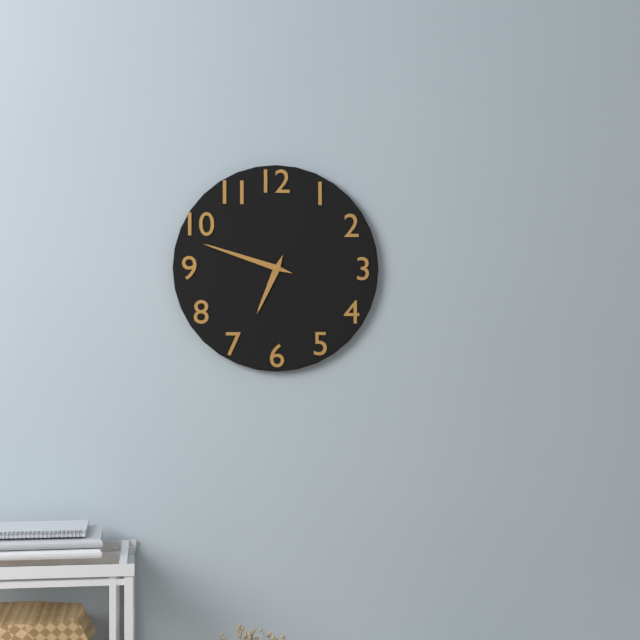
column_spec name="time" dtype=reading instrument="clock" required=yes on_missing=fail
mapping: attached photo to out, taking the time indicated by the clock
6:48
